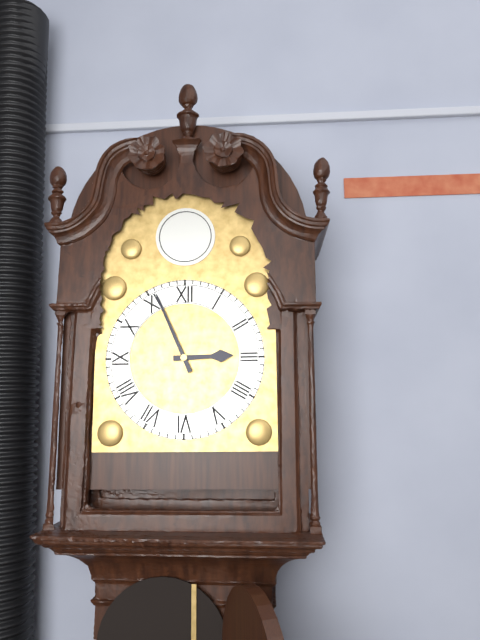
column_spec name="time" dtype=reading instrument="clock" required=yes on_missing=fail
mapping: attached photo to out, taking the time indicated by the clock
2:56
